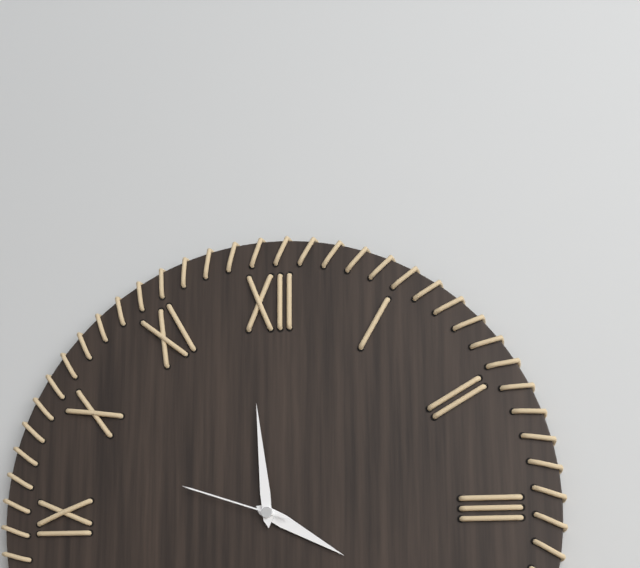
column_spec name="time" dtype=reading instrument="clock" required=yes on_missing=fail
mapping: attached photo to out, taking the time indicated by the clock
3:59:48
